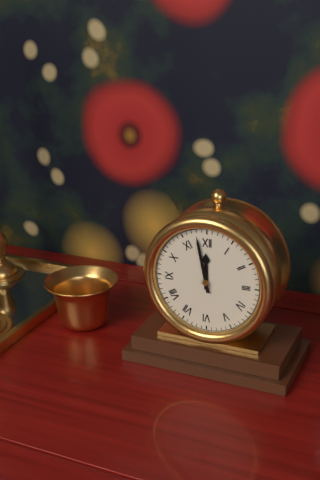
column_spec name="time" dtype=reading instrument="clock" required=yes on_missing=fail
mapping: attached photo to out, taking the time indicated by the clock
11:58
